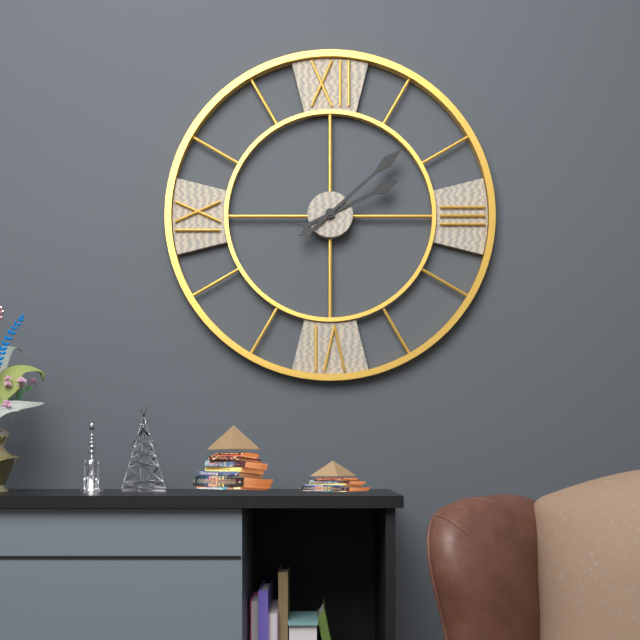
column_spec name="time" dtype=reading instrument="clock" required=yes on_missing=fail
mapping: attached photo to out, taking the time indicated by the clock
2:08
